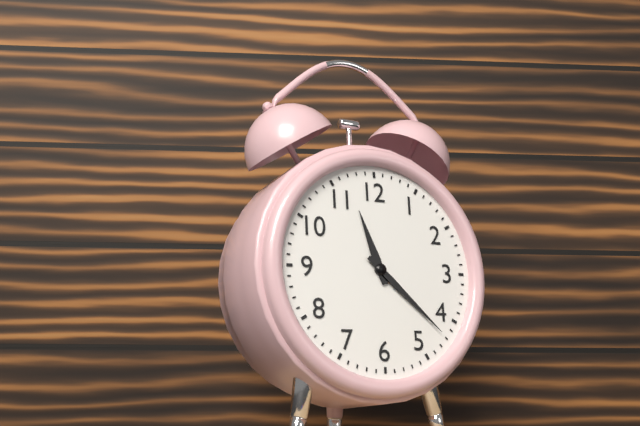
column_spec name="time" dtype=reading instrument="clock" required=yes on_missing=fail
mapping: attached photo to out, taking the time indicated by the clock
11:22
